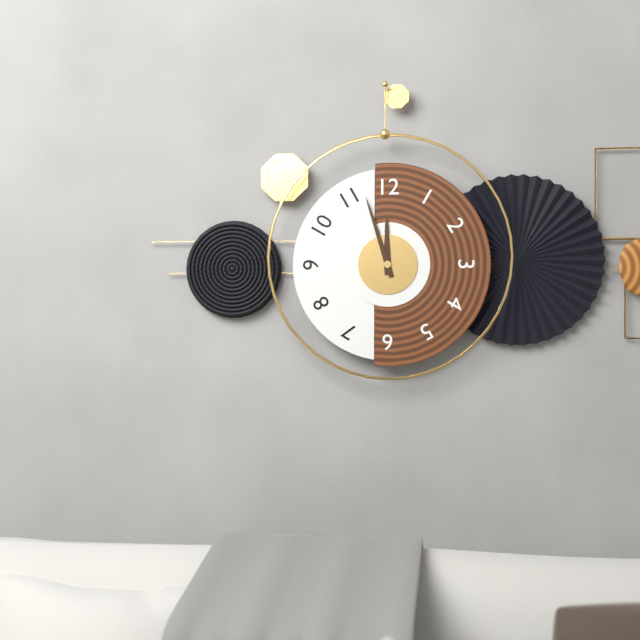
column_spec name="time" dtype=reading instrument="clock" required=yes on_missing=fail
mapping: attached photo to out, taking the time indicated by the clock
11:57
